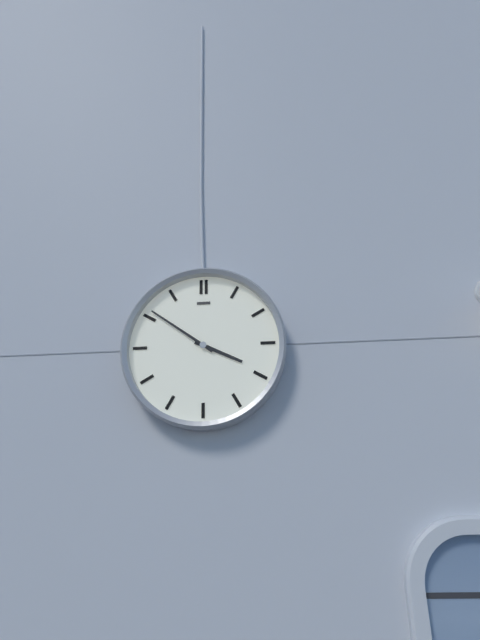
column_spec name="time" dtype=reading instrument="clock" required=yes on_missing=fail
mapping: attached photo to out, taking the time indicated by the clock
3:51
